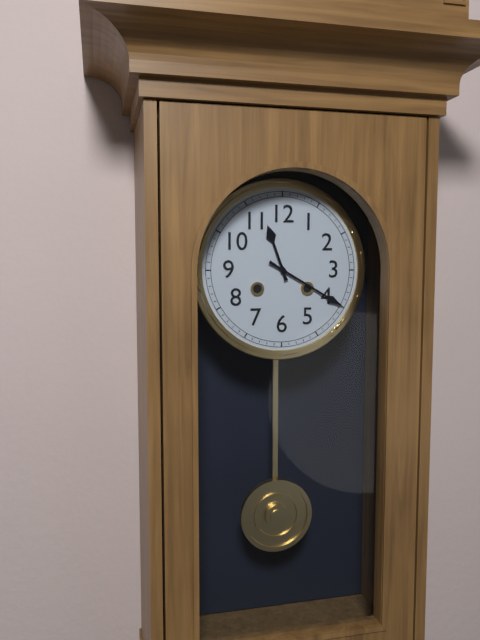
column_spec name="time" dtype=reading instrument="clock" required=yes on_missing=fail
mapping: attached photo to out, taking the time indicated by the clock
11:20
